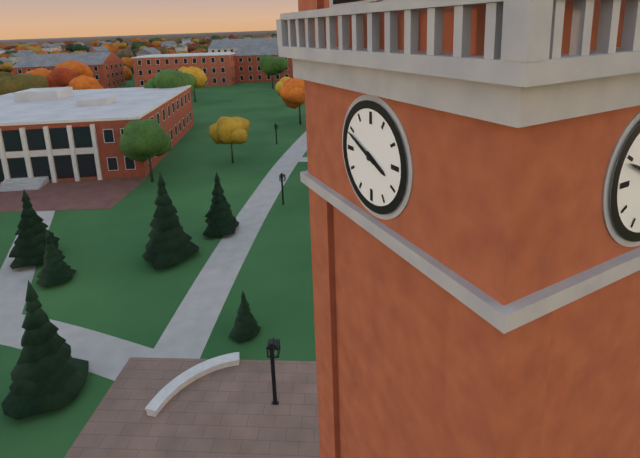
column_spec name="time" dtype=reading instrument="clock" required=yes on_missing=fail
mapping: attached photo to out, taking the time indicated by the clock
3:49
